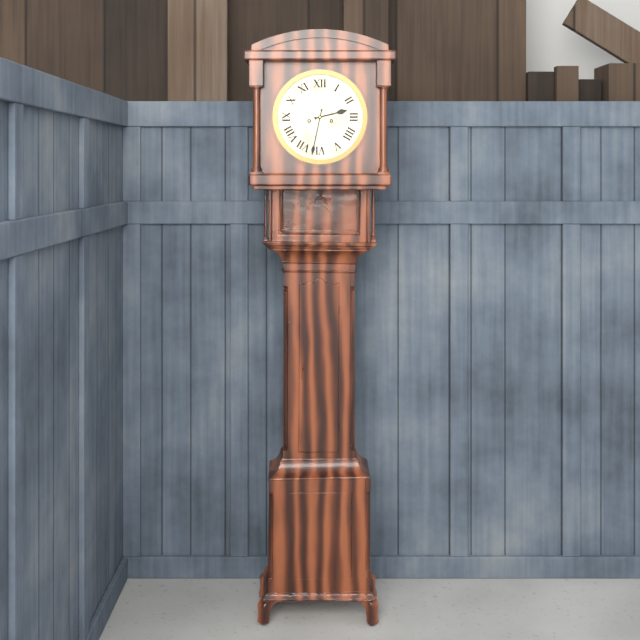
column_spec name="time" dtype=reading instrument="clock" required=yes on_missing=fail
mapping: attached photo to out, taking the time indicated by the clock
2:32
